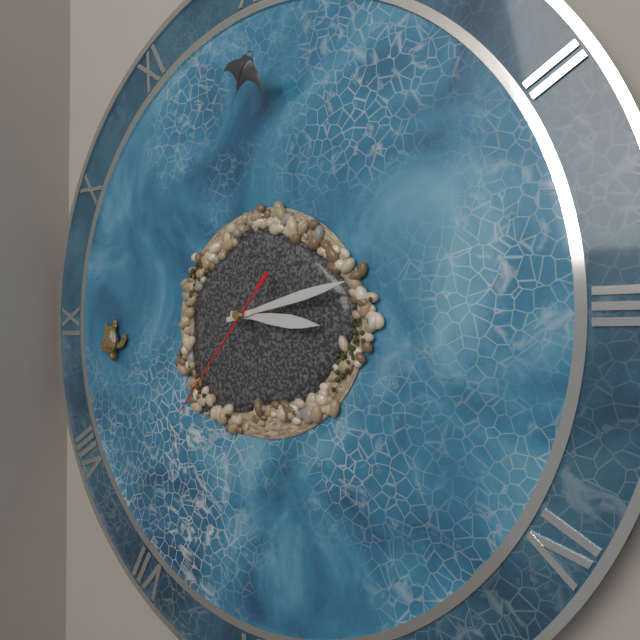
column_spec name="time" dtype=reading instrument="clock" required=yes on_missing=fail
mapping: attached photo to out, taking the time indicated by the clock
3:13:37
